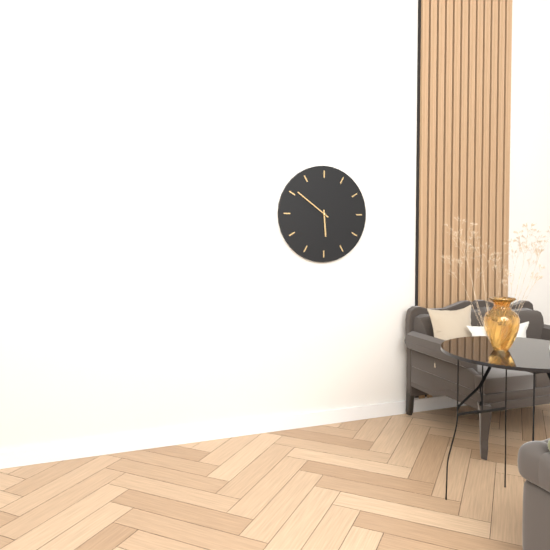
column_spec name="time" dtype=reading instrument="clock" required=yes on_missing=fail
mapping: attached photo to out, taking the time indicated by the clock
5:51
